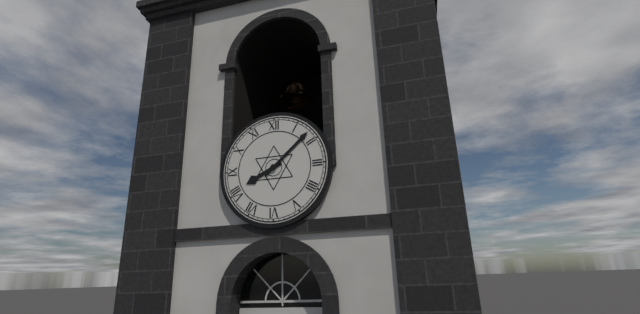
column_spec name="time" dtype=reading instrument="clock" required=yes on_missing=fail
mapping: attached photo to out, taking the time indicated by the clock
8:08
